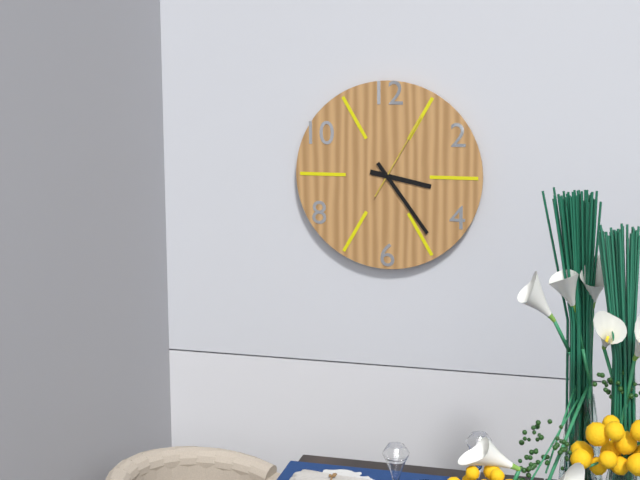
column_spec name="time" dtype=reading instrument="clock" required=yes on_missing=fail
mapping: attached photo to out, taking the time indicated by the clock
3:24:05
